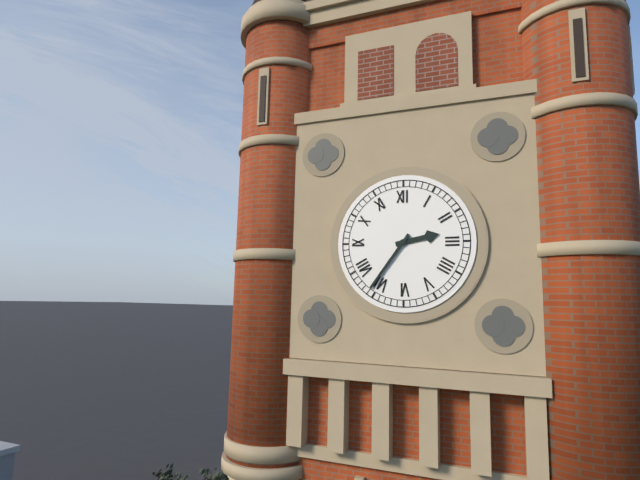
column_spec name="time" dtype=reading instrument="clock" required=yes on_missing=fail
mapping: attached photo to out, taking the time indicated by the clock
2:36
